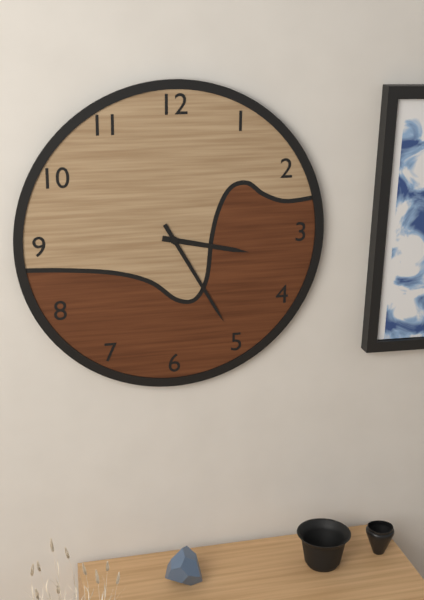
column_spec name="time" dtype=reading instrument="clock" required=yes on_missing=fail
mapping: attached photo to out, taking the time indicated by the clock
3:25
